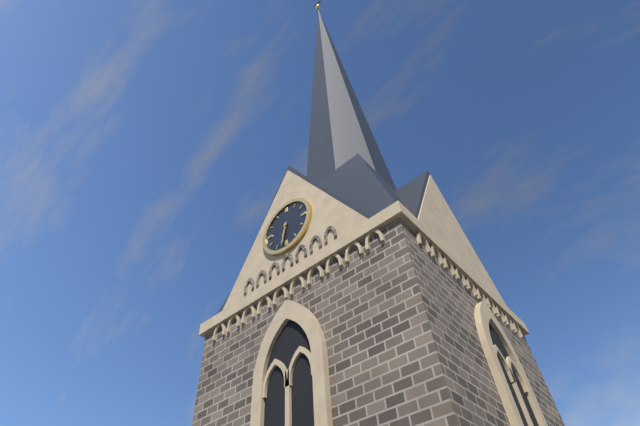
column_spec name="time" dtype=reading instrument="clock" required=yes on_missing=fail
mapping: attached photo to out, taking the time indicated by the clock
6:32
